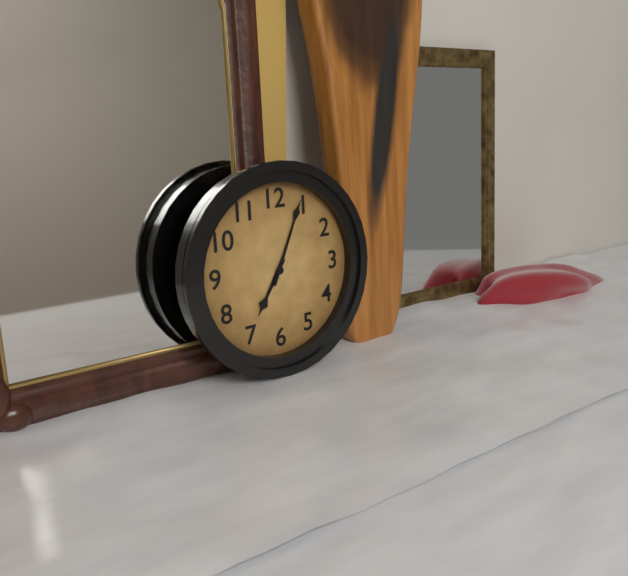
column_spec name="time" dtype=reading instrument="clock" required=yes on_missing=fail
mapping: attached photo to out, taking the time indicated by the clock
7:04
